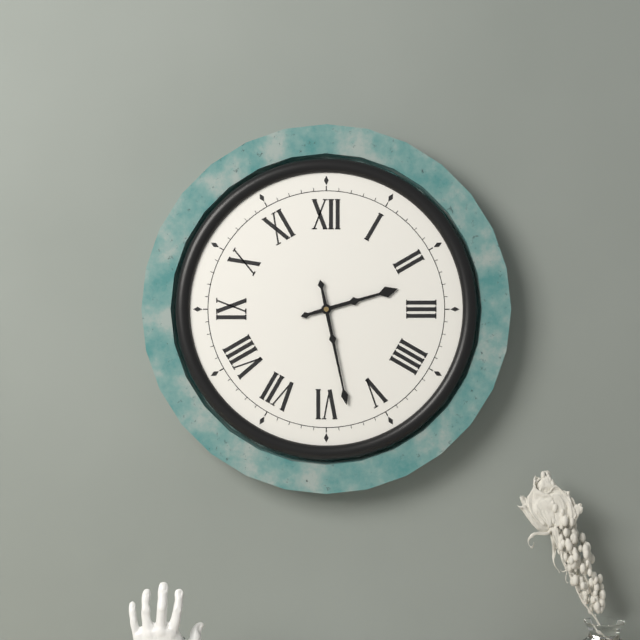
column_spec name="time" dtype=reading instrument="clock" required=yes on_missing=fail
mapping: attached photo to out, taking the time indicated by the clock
2:28
